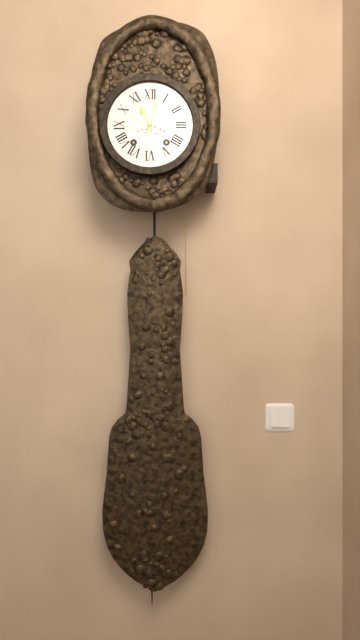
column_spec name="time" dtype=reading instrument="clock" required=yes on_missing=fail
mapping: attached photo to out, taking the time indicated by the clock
11:03
